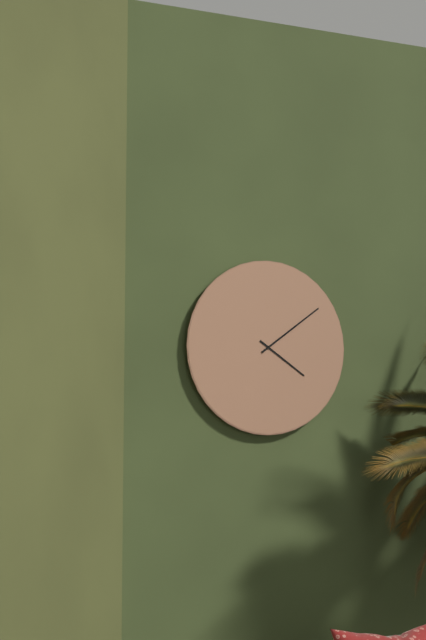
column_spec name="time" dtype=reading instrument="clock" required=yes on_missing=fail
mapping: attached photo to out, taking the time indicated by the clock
4:09
